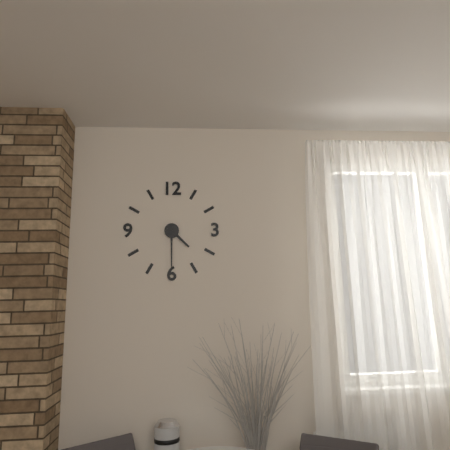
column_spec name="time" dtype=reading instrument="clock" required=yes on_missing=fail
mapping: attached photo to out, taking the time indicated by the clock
4:30
